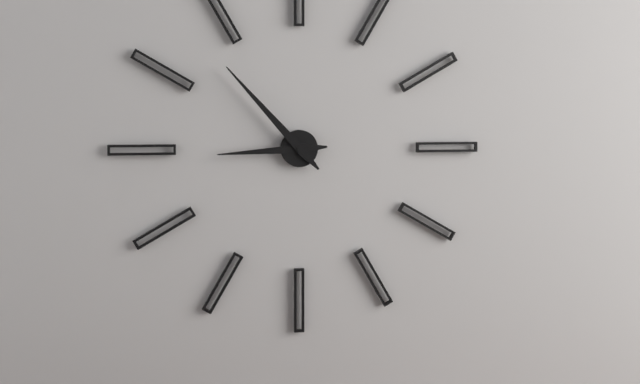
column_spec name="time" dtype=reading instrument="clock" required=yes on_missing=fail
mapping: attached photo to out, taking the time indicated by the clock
8:53
